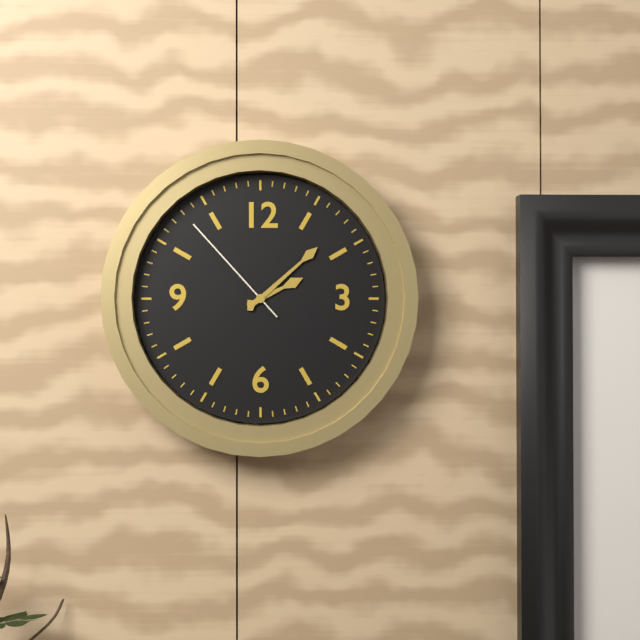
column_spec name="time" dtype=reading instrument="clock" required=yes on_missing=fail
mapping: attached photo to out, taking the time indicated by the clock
2:08:53
